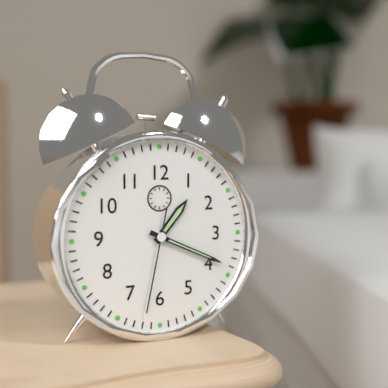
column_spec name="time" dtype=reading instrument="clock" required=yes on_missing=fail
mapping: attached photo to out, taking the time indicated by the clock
1:19:32
